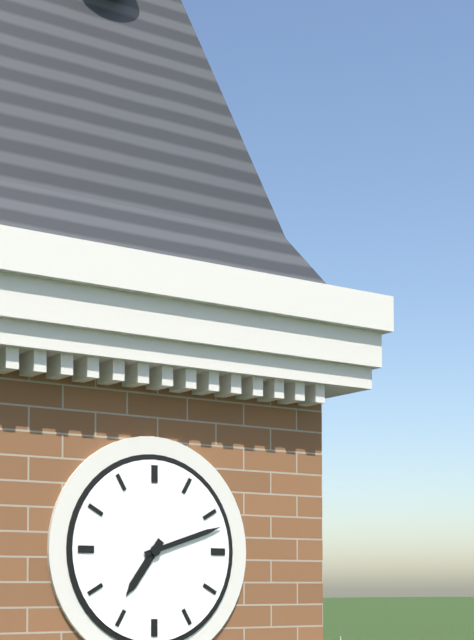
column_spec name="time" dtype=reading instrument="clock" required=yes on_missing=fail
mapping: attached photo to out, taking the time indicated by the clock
7:12
